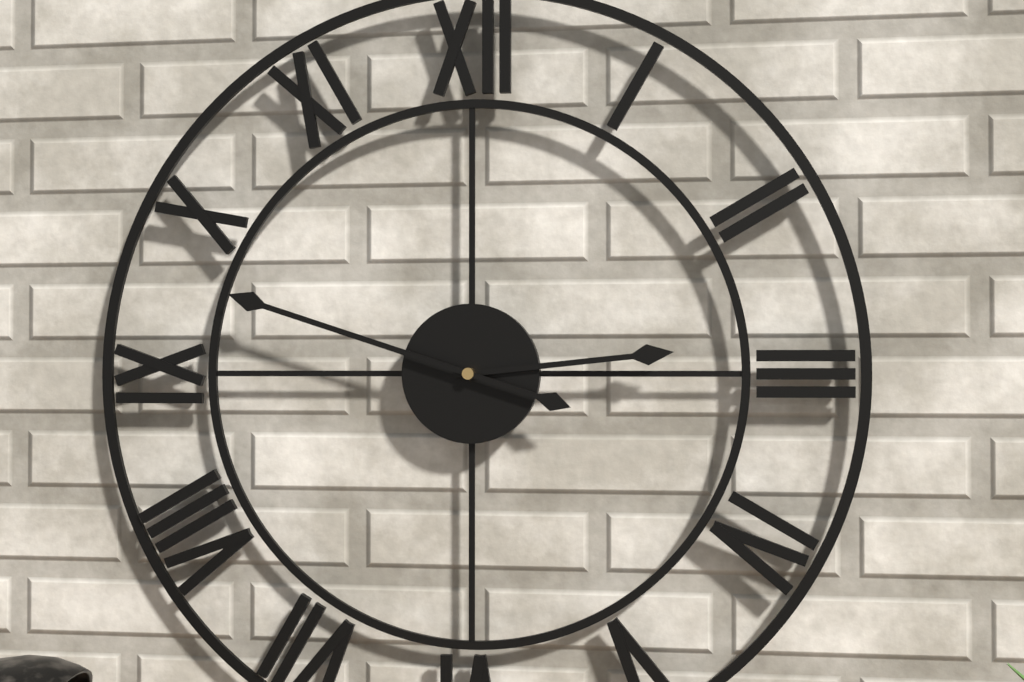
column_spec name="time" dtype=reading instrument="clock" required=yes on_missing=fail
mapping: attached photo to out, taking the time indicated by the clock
2:48
